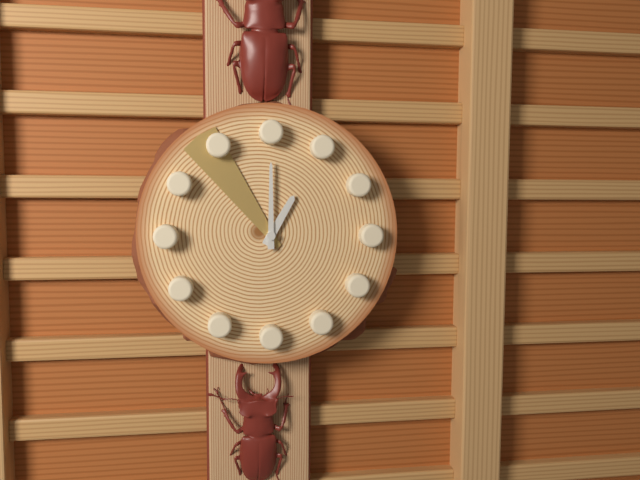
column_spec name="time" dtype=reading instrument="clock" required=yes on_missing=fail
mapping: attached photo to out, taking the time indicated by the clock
1:00:54
